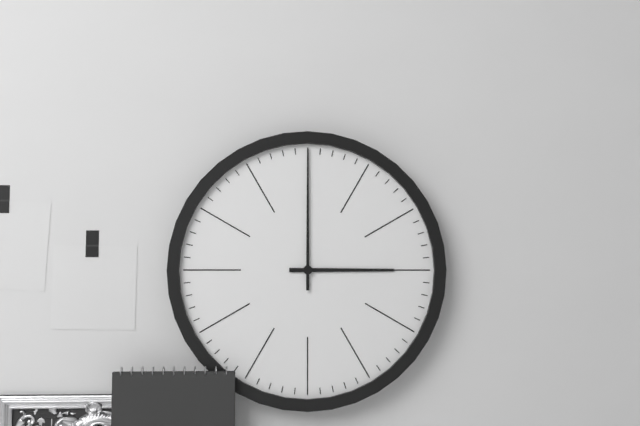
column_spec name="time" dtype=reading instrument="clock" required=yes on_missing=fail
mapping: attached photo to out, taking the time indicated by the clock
3:00
